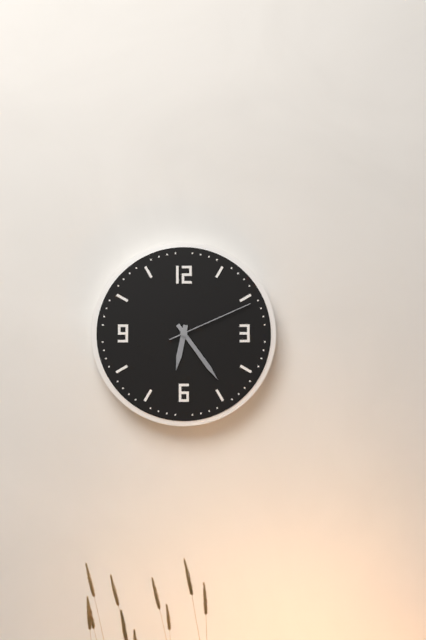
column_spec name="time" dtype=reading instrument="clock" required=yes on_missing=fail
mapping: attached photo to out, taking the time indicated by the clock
6:24:11
